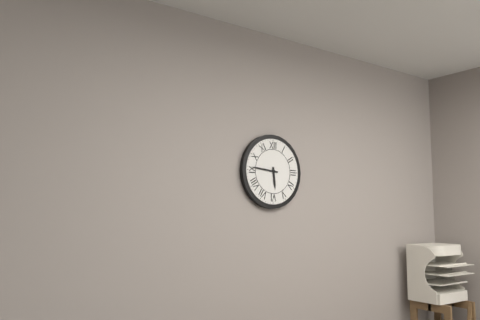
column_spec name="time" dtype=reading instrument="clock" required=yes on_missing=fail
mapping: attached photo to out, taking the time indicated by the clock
5:46
